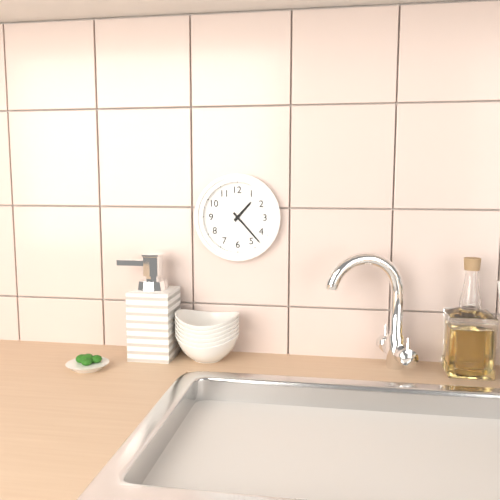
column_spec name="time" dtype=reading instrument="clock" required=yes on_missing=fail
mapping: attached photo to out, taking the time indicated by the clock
1:23
